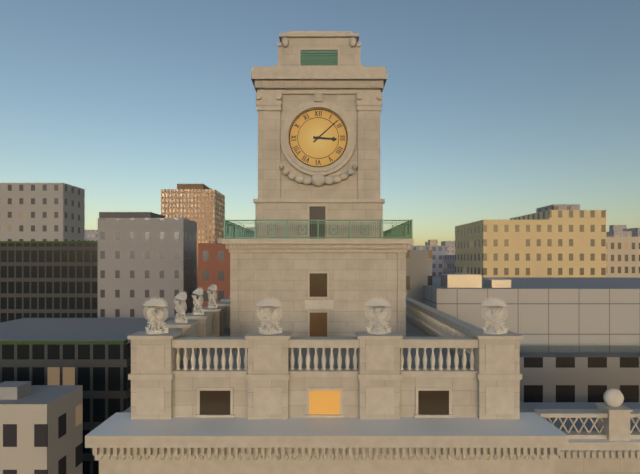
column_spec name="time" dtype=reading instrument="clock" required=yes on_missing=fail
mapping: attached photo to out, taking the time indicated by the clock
3:08
